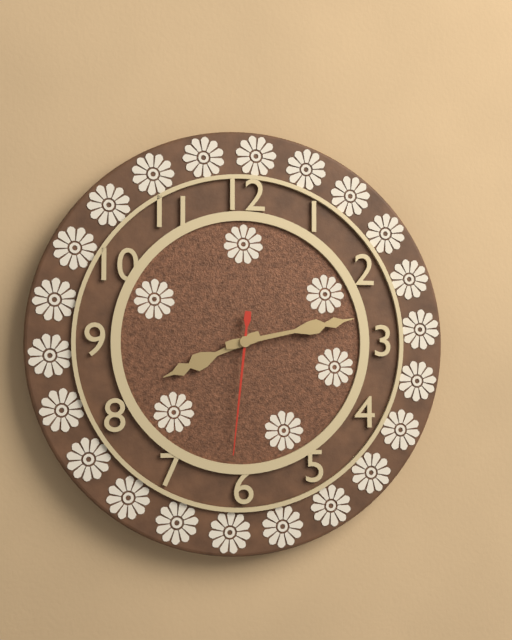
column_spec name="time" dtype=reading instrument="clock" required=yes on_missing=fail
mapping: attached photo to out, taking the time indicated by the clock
8:13:31
